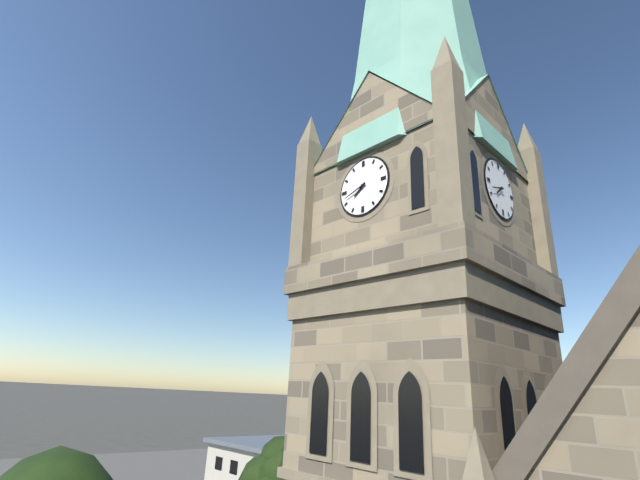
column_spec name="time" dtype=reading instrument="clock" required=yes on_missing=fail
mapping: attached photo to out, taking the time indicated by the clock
7:42
